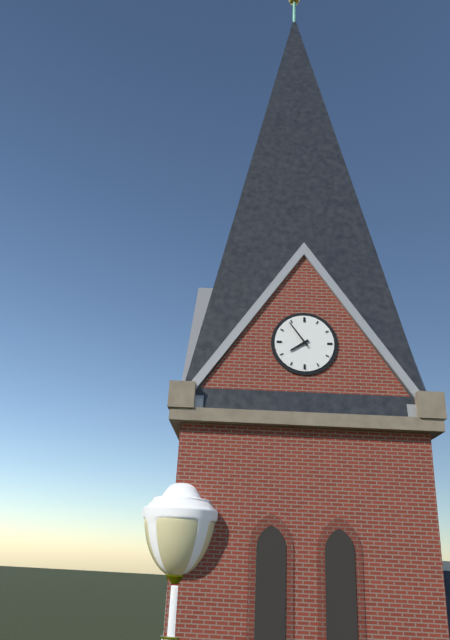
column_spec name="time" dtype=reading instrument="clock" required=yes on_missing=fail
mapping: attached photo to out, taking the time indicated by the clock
7:54
